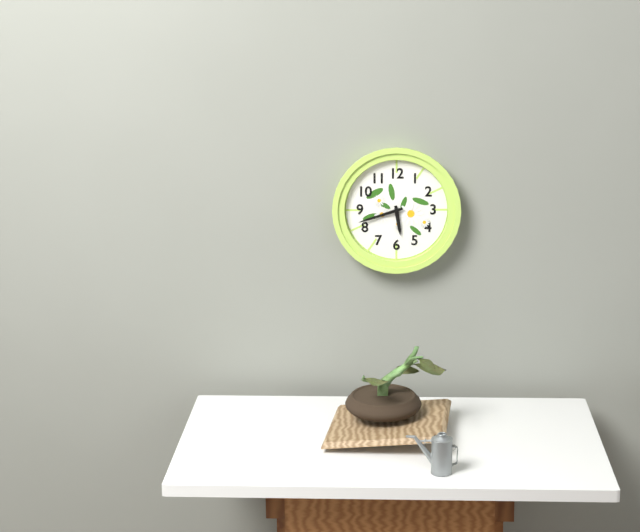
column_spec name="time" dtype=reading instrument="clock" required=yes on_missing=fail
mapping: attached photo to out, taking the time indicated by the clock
5:42
